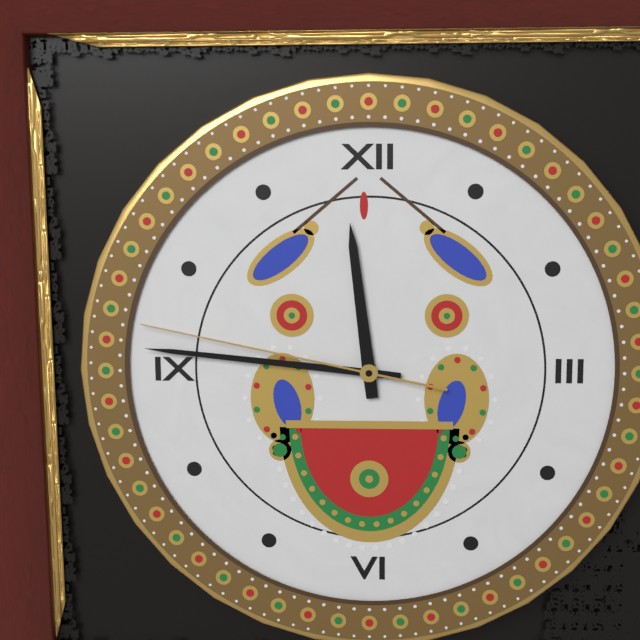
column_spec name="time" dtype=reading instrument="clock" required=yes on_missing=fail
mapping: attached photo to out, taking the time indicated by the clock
11:46:47
